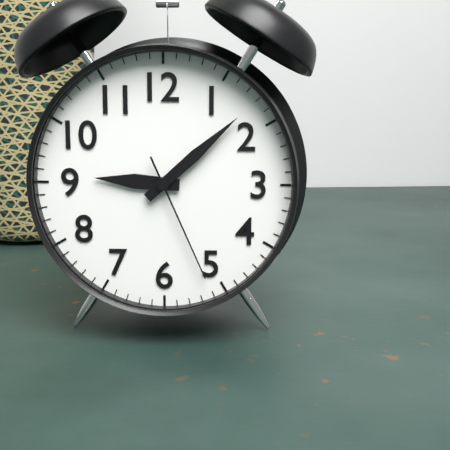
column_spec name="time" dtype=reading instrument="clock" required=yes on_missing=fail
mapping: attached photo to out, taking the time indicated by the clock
9:08:26
